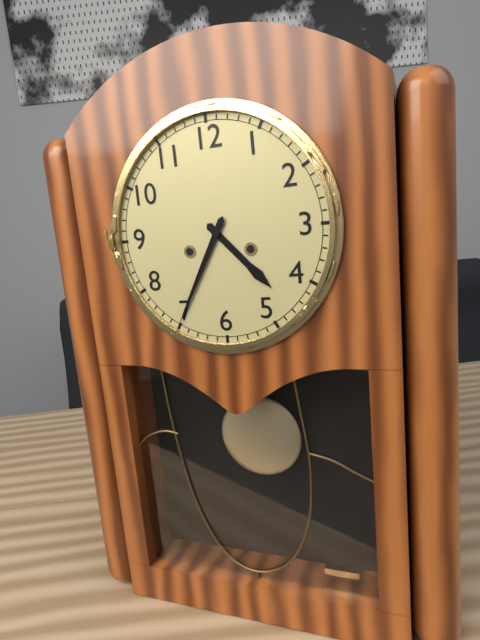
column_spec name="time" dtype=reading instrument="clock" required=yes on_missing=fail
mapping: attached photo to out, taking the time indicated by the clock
4:35
